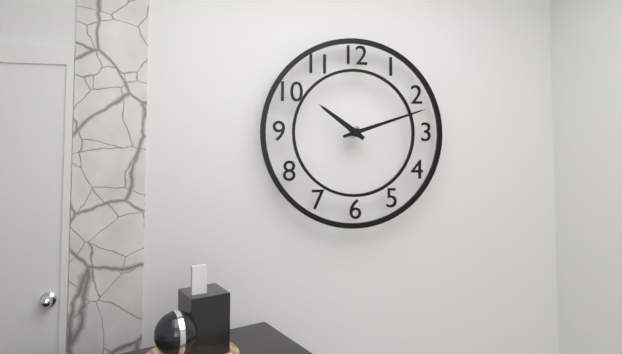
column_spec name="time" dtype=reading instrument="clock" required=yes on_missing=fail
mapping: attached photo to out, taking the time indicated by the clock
10:12
